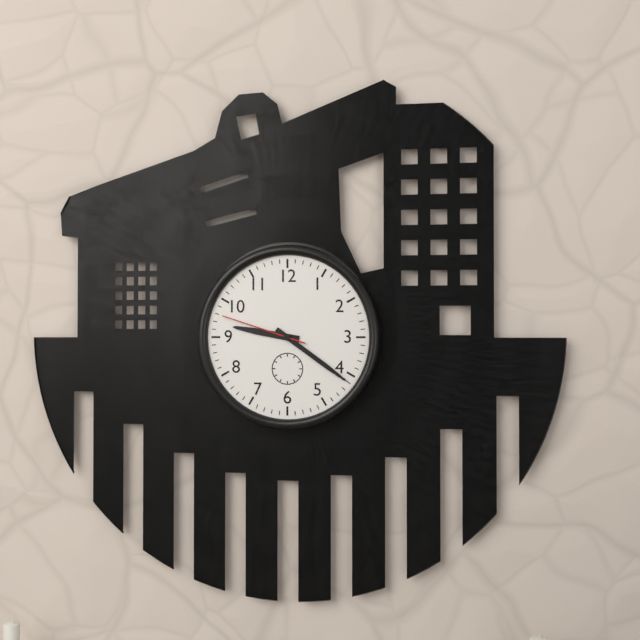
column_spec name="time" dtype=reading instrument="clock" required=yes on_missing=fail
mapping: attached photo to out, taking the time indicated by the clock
9:21:48
